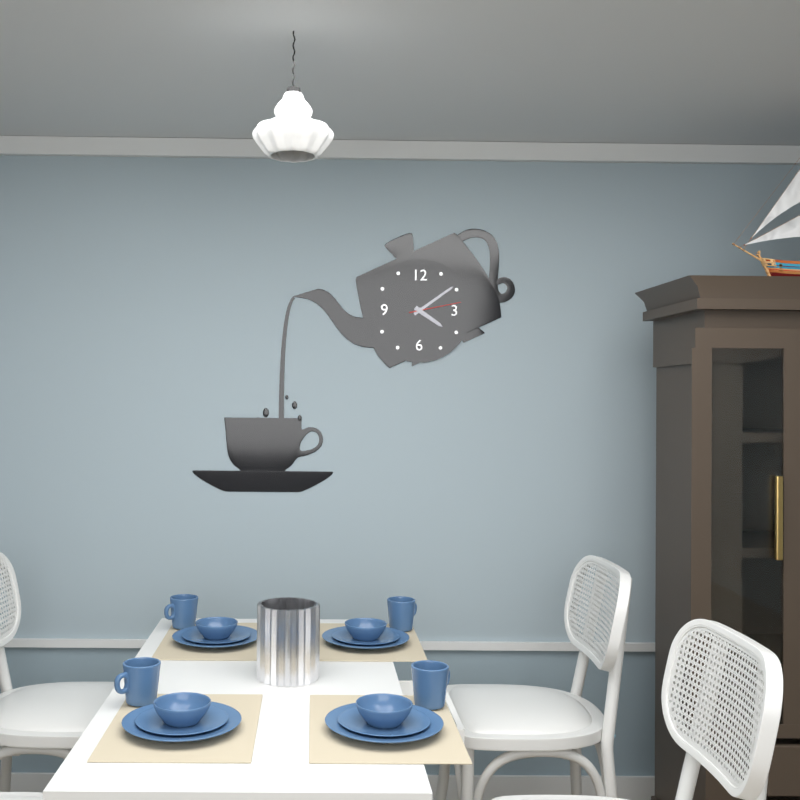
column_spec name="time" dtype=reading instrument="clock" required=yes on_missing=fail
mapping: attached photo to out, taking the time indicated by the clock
4:09:13
